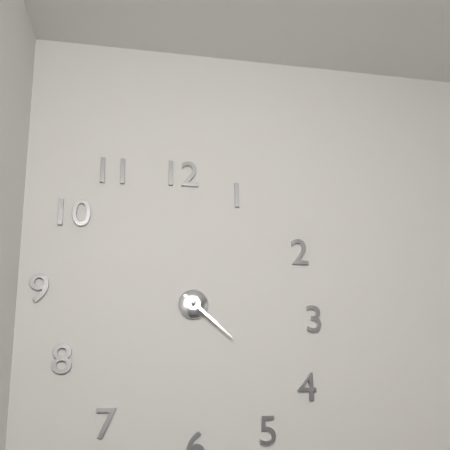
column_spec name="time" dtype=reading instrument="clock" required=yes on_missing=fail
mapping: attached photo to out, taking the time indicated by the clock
4:22
